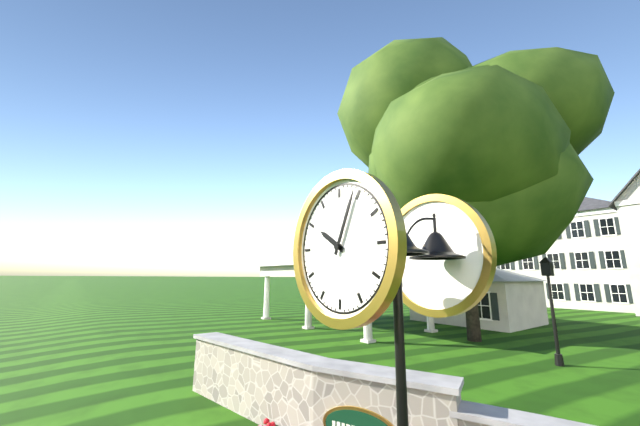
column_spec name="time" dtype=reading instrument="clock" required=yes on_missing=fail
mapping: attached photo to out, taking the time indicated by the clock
10:04
